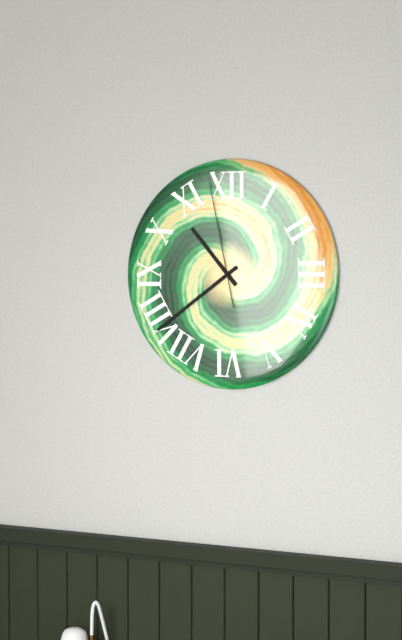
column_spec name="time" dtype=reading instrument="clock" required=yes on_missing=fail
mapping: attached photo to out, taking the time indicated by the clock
10:39:58
